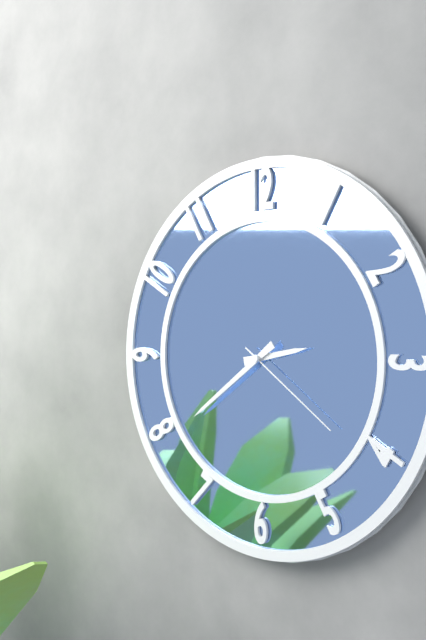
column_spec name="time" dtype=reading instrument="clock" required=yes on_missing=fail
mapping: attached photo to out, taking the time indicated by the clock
2:39:21
